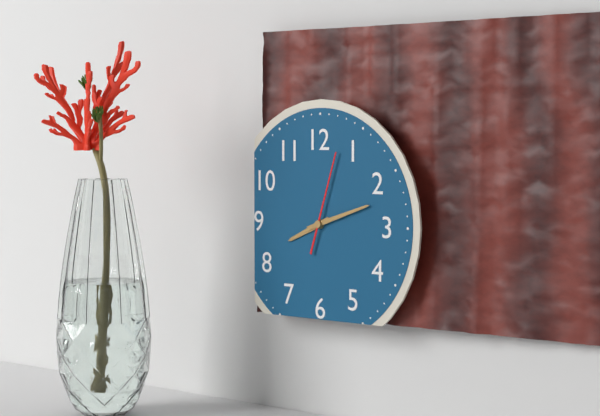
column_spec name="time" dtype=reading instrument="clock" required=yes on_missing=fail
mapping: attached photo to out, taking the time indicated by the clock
8:12:03
